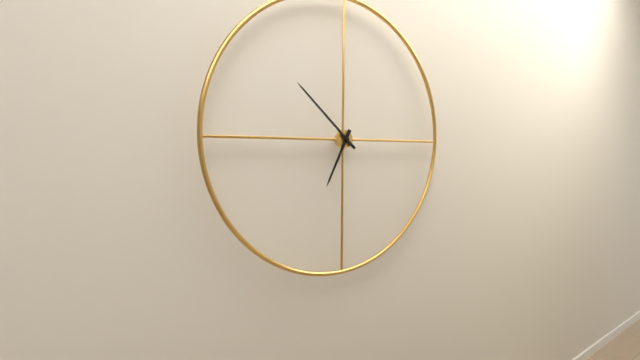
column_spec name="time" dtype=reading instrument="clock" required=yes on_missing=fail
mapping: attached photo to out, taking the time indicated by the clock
6:52
